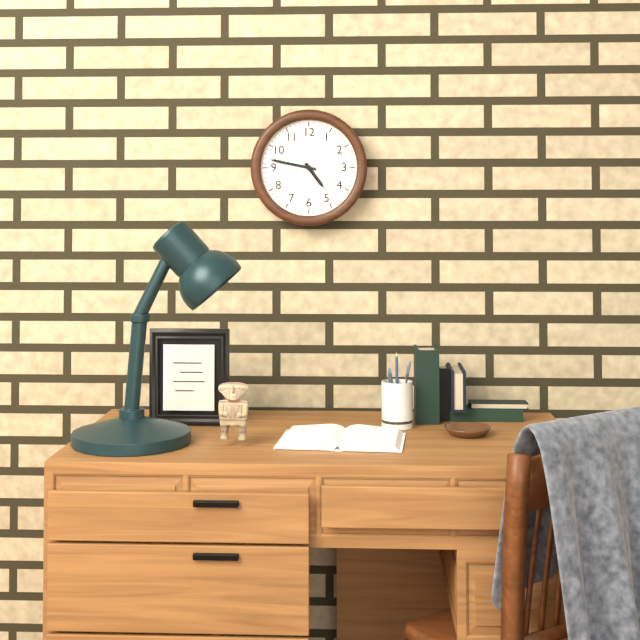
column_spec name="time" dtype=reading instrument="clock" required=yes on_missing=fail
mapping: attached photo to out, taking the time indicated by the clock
4:47
